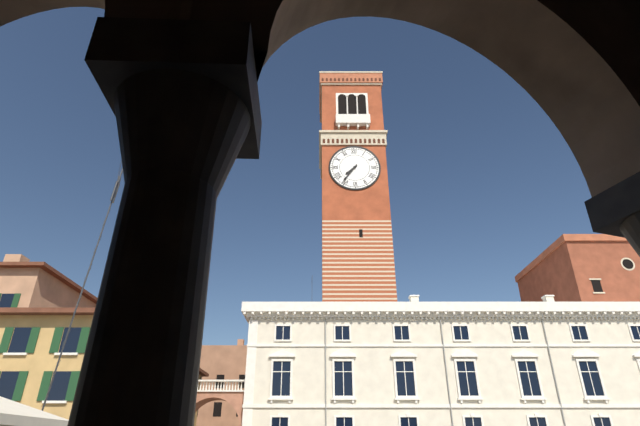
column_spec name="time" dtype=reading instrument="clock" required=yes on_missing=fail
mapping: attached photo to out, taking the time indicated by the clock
7:36
